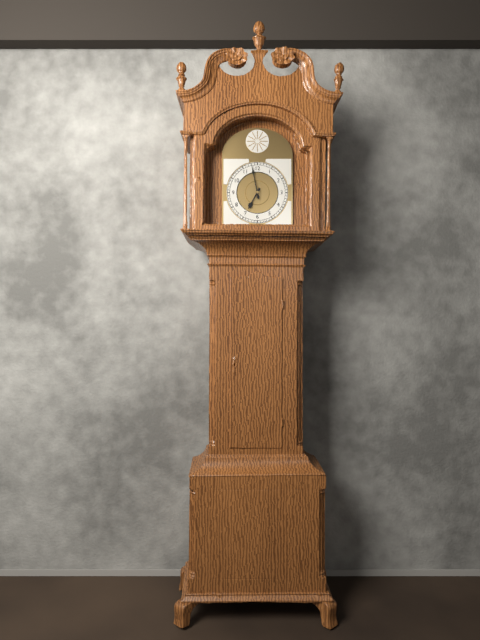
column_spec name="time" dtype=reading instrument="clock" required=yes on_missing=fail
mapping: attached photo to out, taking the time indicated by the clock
6:58
